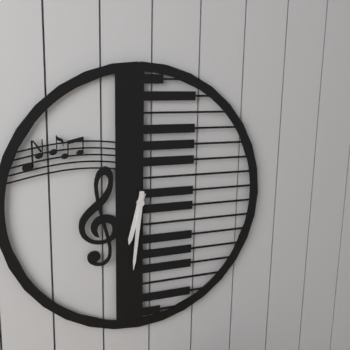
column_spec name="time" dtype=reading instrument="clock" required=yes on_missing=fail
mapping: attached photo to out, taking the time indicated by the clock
6:31
